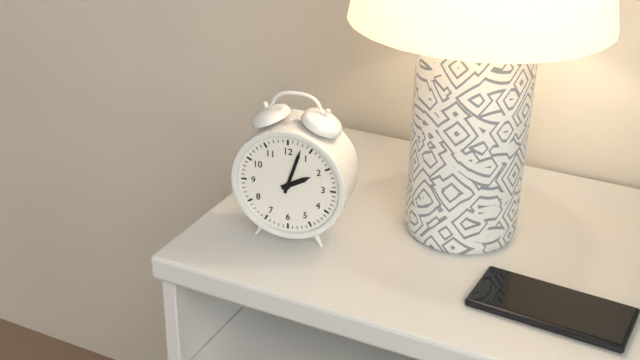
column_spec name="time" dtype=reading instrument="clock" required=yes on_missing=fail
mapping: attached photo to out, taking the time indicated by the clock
2:03
